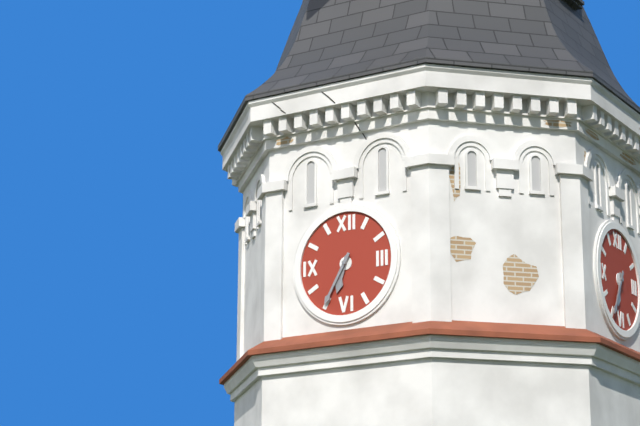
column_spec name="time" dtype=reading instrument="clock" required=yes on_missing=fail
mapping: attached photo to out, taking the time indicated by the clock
6:35
